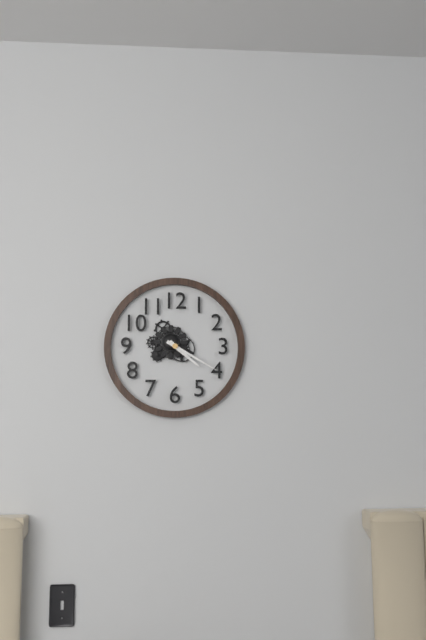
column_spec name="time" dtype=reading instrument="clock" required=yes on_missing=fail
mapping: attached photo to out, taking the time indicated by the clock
4:20
